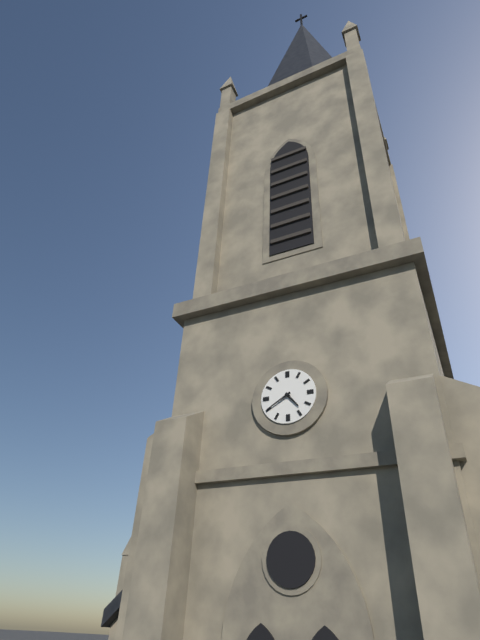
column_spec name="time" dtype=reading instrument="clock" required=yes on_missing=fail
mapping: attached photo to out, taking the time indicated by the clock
4:40
